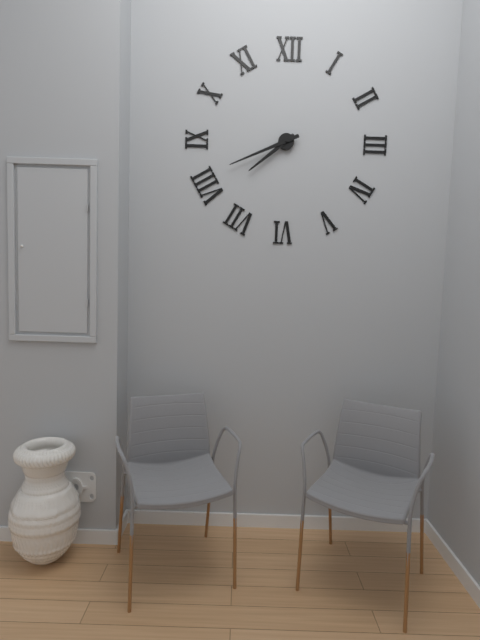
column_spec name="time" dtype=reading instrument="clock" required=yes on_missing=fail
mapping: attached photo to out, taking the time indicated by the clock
7:41
